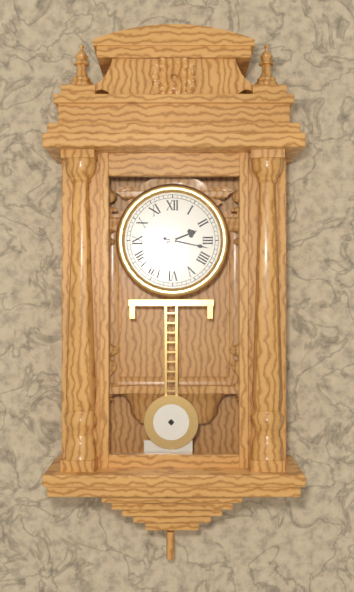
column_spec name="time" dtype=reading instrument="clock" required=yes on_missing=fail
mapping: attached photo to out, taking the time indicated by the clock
2:17
